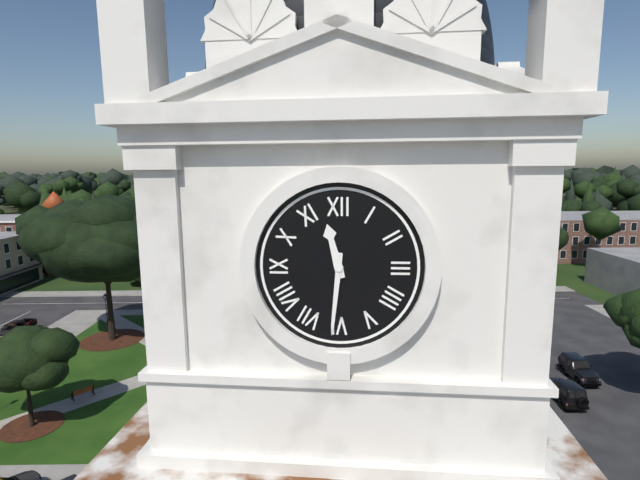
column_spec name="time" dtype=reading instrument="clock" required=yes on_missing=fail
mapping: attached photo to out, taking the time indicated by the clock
11:31
